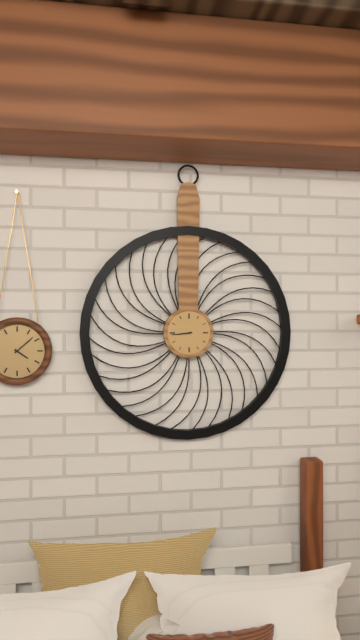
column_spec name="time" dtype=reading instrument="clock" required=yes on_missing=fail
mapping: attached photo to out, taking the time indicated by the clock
8:44
